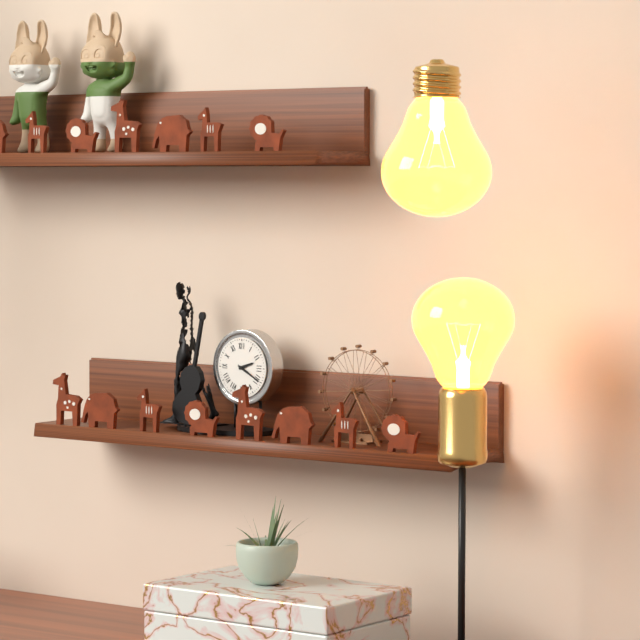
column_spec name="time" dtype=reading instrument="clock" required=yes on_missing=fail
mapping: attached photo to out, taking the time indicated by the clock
2:20
